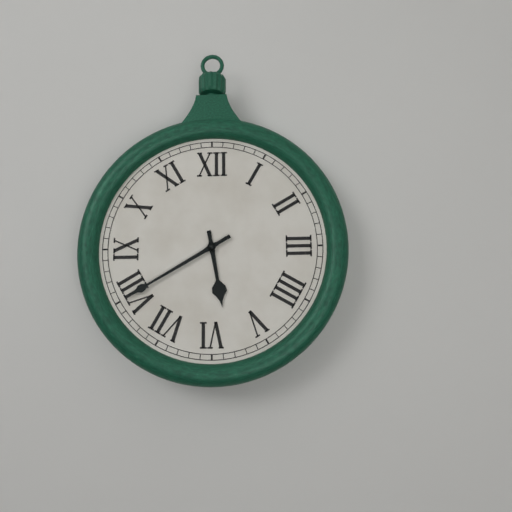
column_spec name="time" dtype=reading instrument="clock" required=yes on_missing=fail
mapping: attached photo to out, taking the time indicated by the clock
5:40
